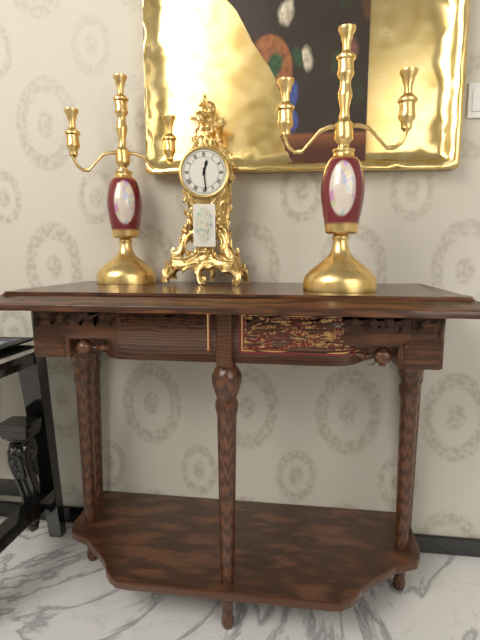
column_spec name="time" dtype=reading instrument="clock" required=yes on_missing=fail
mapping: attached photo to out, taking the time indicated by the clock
12:29
